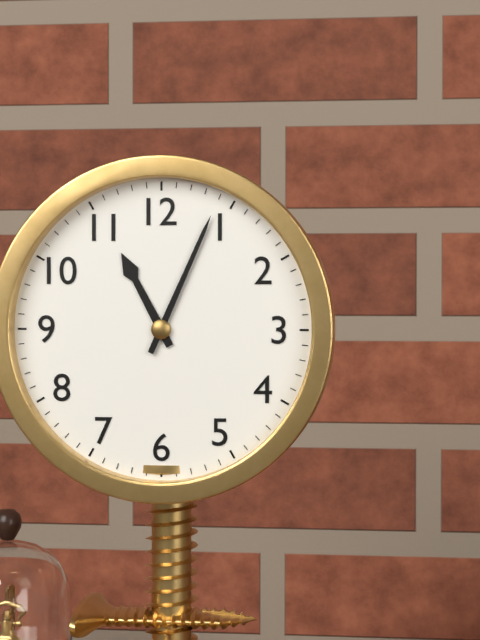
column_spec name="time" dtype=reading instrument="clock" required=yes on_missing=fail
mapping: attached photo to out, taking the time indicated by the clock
11:04
